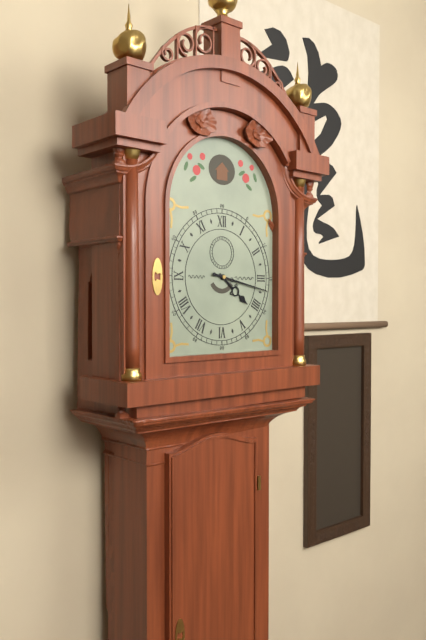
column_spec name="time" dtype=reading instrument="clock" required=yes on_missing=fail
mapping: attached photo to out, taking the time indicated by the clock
4:17
